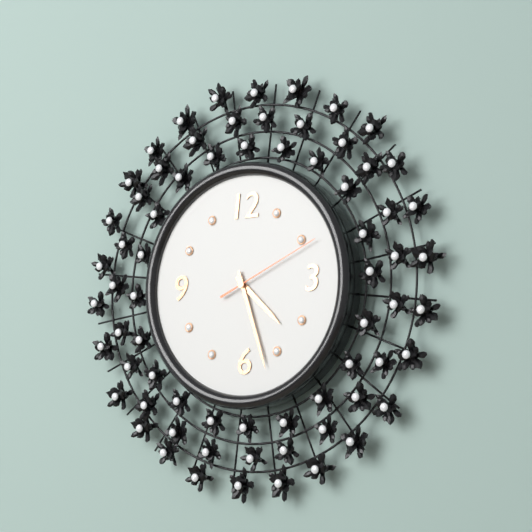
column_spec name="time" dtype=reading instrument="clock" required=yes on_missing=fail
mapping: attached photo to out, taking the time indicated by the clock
4:27:11
